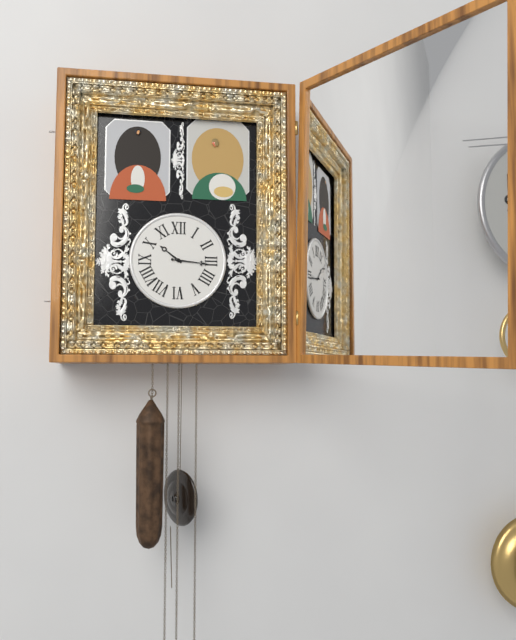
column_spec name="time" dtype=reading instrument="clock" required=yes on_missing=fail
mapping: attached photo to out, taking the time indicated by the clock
10:16
